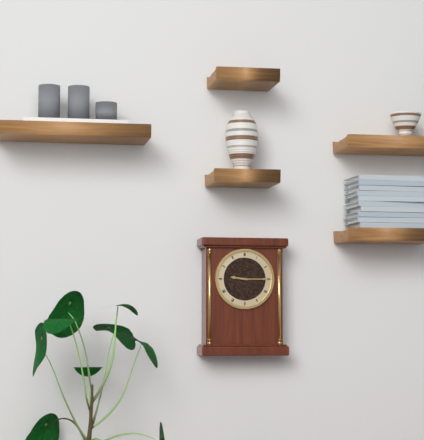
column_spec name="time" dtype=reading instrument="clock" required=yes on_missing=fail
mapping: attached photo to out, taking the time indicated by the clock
9:15
